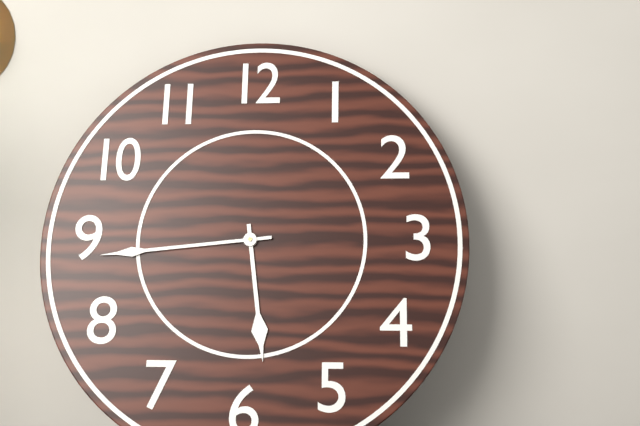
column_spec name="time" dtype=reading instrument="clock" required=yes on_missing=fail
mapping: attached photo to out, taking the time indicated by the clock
5:44
